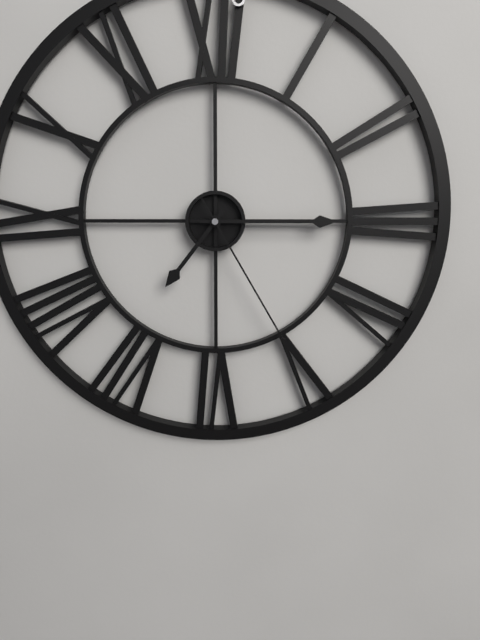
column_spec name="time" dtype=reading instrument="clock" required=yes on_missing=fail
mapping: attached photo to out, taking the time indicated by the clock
7:15:25
